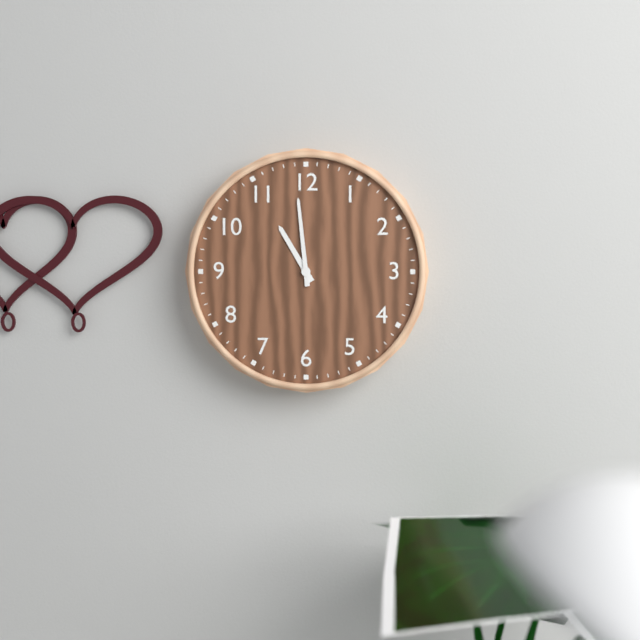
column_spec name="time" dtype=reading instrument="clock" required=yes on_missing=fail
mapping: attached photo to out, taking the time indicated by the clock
10:59
